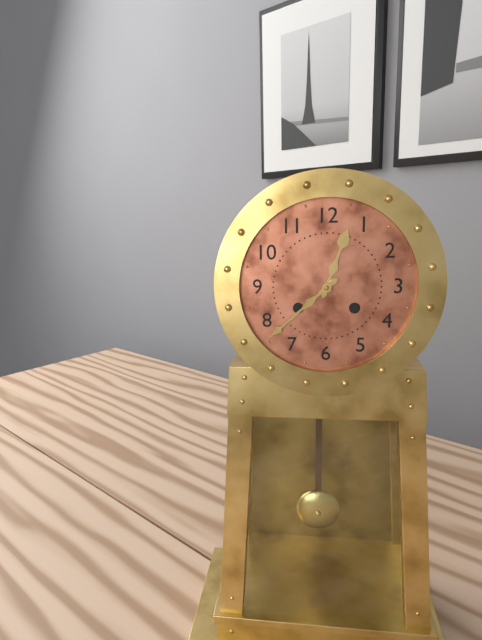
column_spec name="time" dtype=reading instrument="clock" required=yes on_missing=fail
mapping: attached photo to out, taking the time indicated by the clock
12:38
